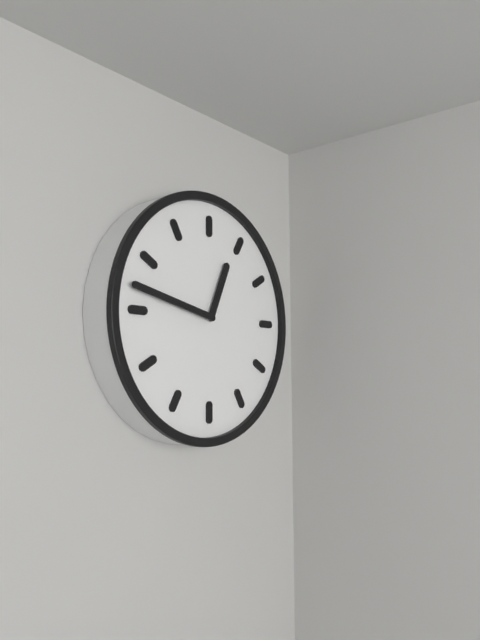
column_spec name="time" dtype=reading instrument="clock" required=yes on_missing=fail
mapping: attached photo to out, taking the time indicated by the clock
12:47
